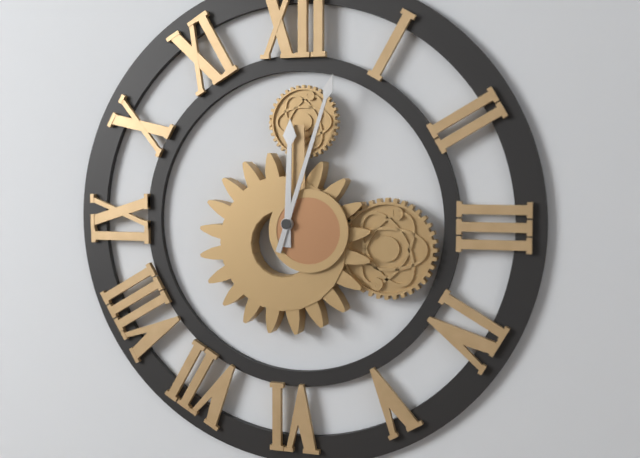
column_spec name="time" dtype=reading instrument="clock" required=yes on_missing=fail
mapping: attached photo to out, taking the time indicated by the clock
12:03
